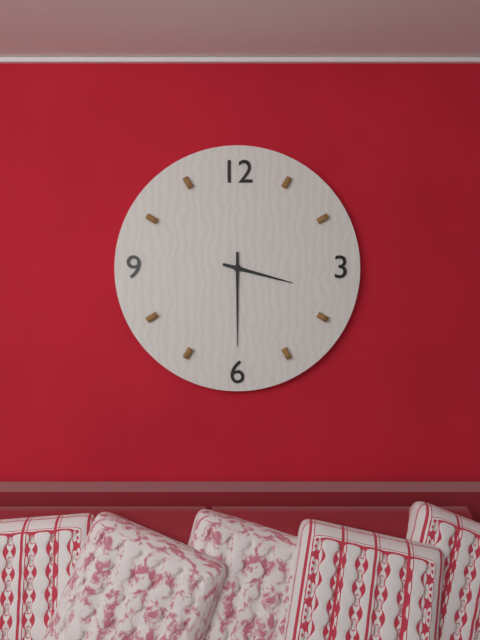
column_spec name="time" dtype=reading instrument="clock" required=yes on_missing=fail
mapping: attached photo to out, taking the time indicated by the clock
3:30
